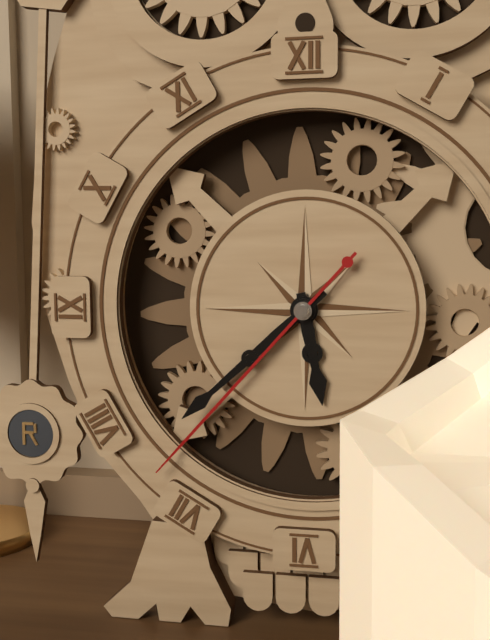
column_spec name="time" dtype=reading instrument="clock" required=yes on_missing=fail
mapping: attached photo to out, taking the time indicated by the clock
5:38:37
